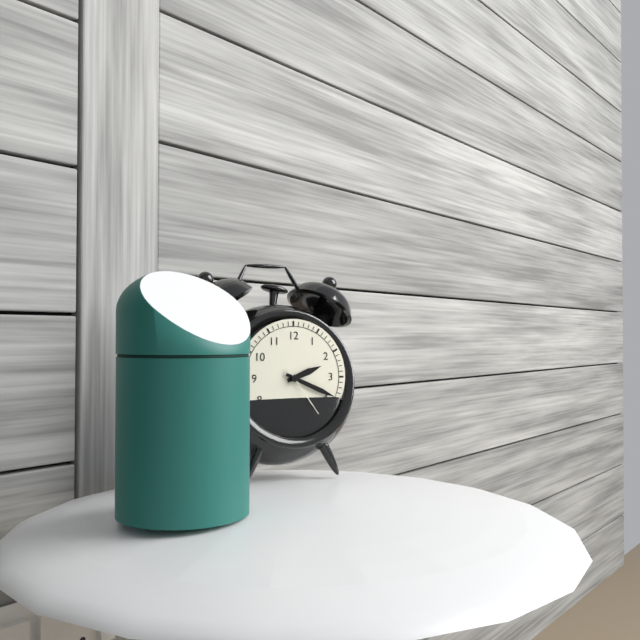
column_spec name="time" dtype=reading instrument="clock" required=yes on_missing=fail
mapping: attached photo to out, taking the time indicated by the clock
2:19:24
